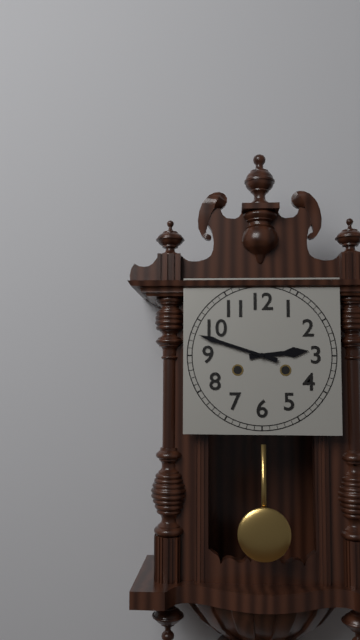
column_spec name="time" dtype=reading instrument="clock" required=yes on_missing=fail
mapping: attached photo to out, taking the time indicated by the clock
2:48
